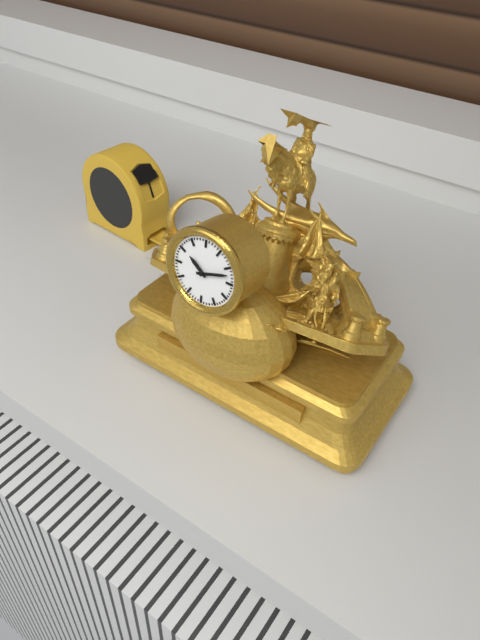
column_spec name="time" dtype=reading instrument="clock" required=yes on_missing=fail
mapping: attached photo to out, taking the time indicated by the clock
10:12
